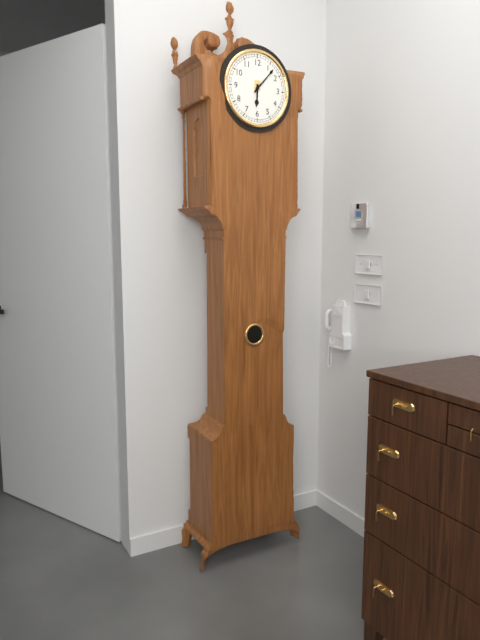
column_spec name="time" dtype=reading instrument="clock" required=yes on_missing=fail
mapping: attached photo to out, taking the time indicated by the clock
6:07
